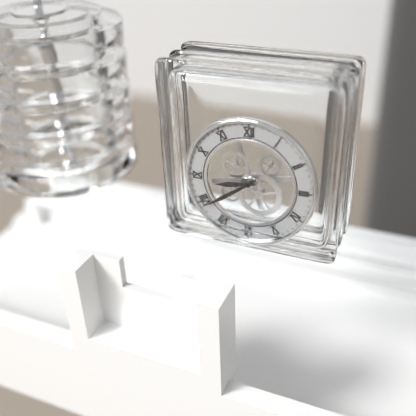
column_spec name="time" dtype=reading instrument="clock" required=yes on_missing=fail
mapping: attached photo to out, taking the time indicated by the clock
8:39
